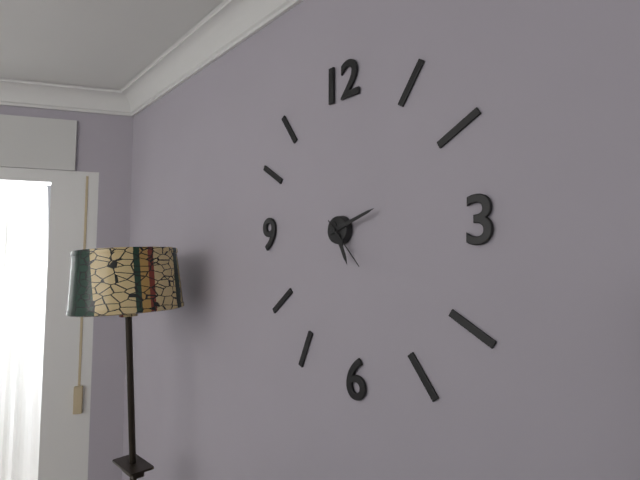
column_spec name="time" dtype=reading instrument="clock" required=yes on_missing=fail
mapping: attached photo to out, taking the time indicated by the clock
5:12:23
